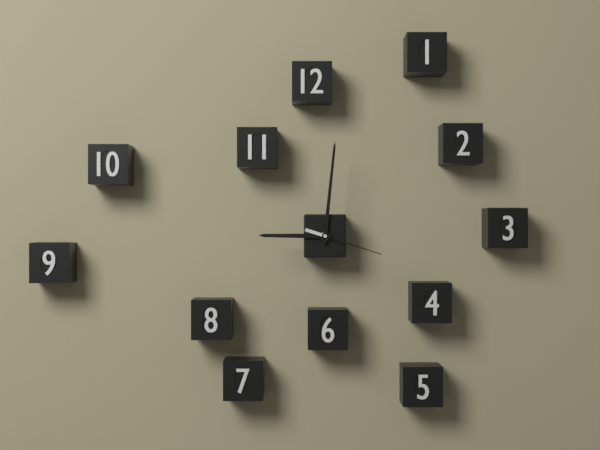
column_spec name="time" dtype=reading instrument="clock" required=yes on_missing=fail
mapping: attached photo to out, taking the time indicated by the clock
9:01:18
